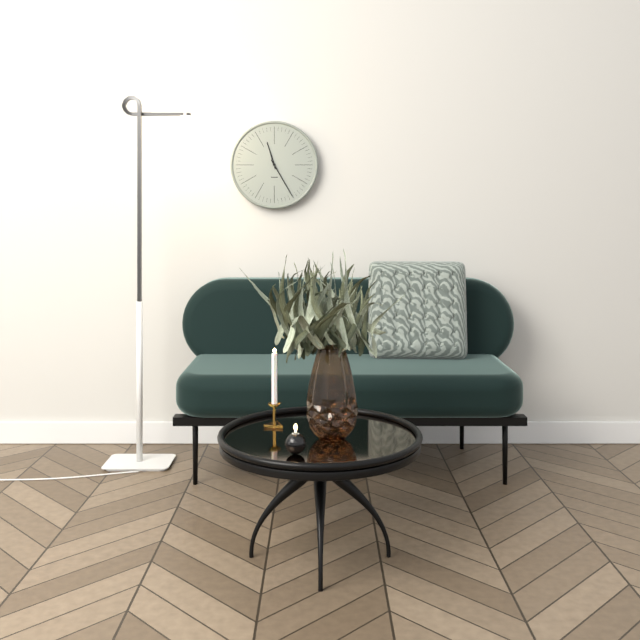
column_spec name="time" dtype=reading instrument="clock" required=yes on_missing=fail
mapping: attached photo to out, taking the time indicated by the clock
11:25
